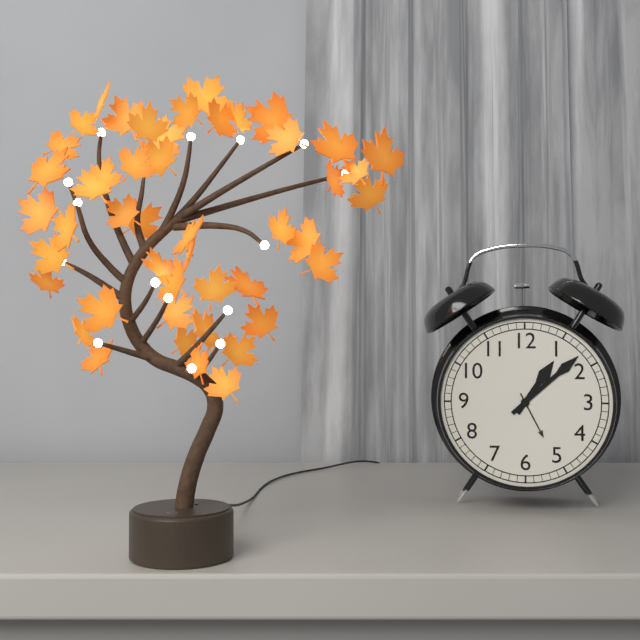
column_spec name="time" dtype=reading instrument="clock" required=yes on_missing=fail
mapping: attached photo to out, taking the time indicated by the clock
1:08
